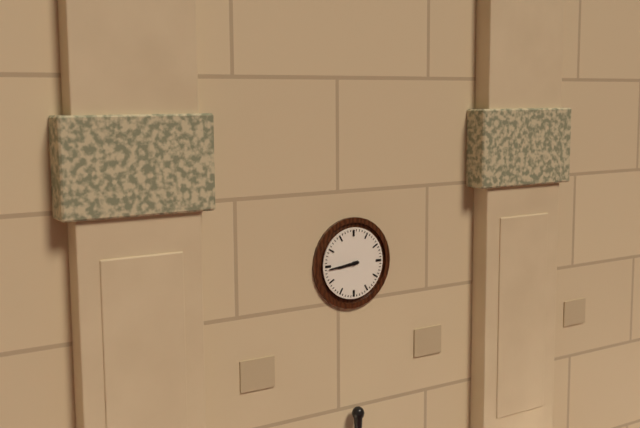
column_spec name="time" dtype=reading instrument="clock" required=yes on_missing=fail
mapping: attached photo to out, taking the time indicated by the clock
8:44
